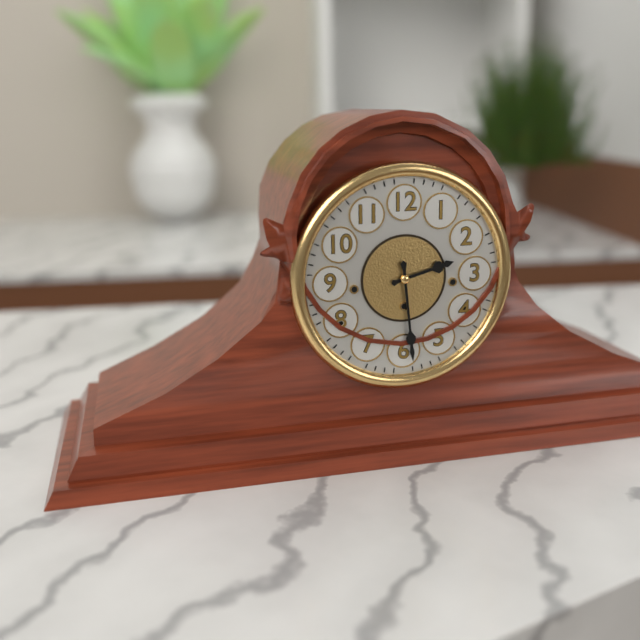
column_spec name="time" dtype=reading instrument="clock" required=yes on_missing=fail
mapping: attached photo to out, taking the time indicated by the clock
2:29
